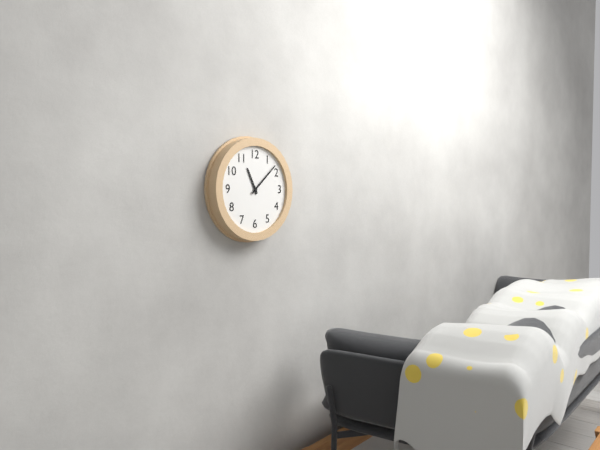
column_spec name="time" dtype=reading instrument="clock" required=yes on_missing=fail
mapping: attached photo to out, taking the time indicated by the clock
11:08
